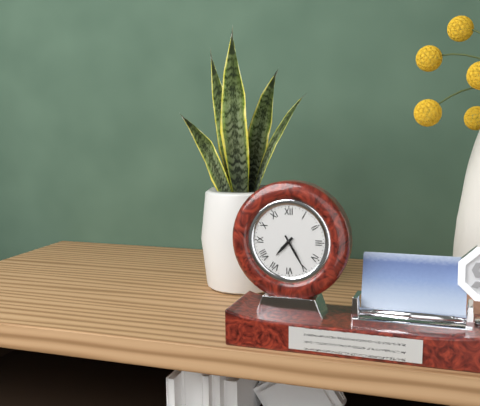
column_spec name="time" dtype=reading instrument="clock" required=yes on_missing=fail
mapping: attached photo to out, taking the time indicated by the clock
7:25
